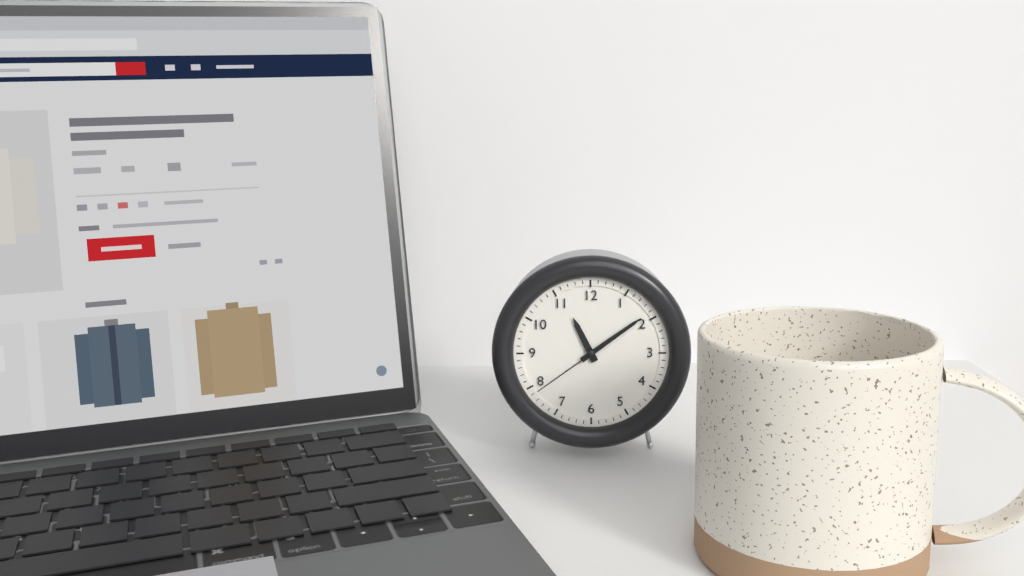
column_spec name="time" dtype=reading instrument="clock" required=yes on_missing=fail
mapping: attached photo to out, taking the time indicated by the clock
11:09:39
